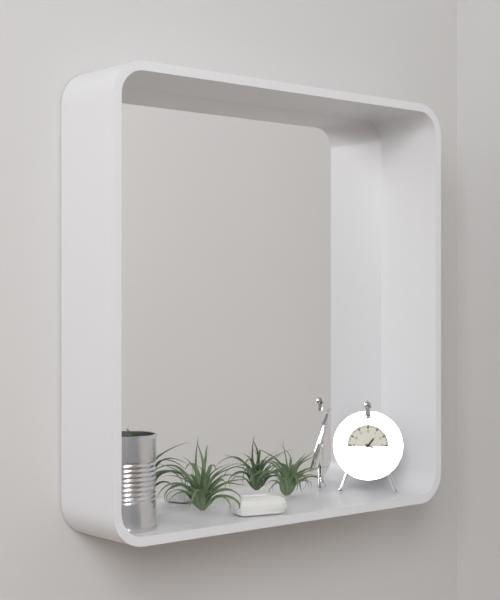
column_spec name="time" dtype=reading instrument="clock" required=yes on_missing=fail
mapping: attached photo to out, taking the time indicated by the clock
1:19
